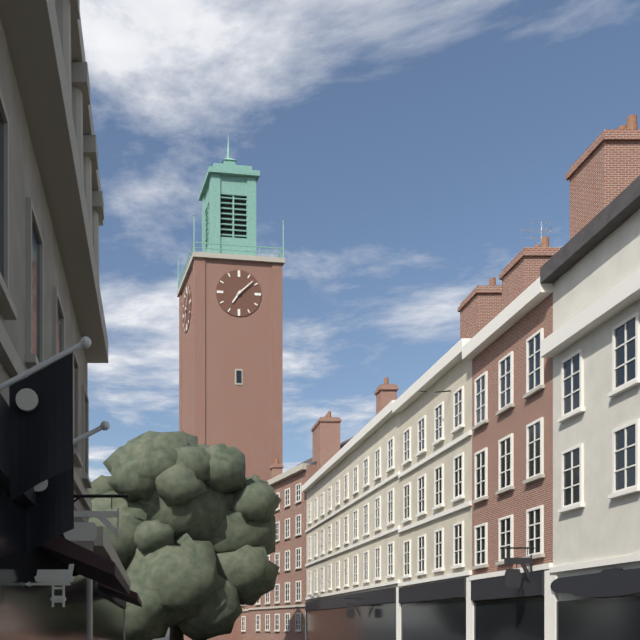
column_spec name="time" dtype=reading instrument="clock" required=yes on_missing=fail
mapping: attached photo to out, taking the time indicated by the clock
7:08
